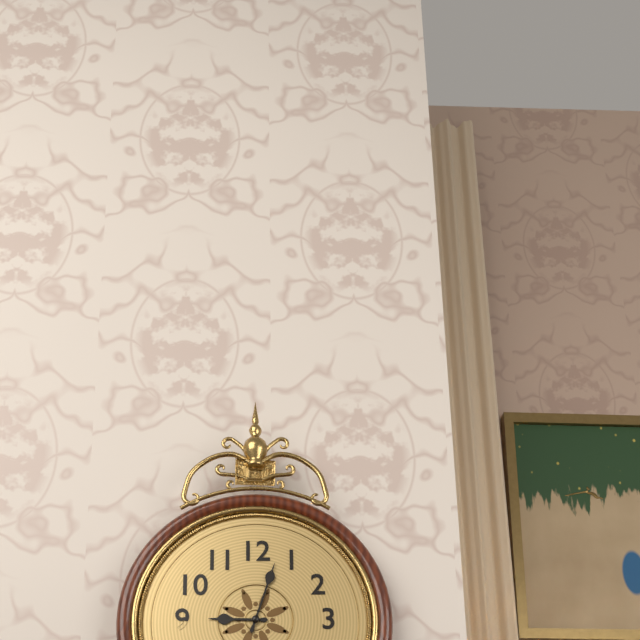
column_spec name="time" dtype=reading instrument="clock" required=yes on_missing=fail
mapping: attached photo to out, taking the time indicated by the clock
9:03
